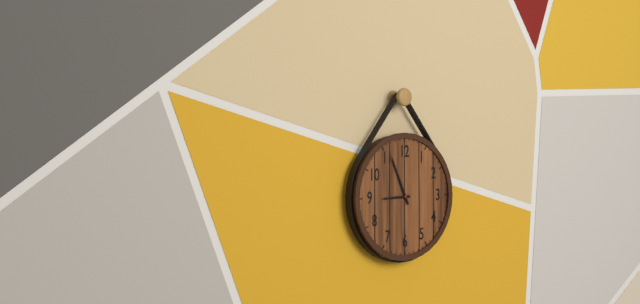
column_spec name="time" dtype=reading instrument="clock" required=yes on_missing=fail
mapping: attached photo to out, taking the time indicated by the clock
8:56
